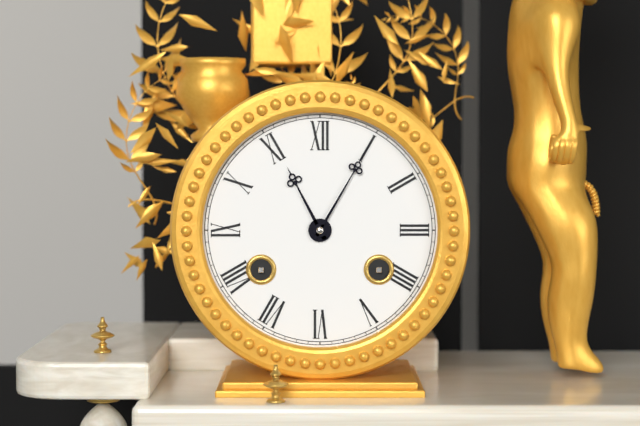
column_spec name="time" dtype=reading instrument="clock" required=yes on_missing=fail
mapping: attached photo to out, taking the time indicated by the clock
11:05
